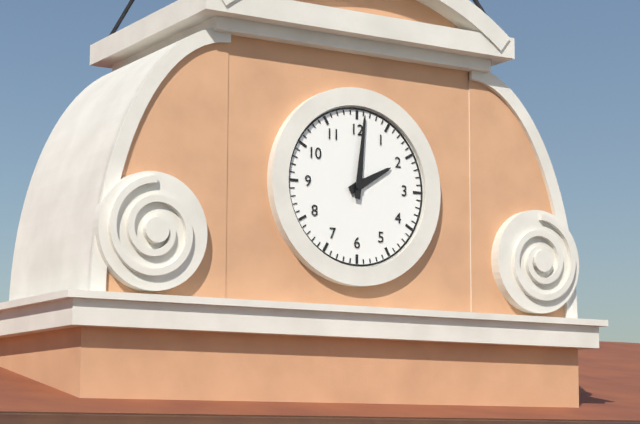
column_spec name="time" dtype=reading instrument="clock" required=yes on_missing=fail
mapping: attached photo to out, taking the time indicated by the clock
2:01
